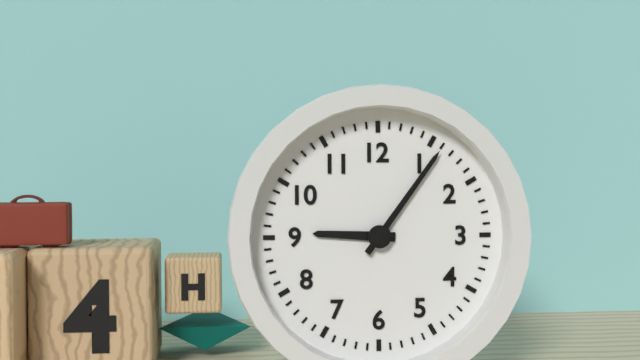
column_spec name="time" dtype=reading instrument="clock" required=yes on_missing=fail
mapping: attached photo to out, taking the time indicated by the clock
9:06
